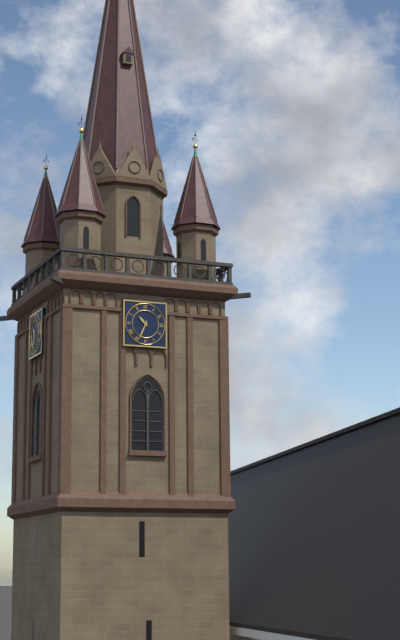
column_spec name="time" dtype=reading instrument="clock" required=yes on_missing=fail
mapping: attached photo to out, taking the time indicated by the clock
10:34
